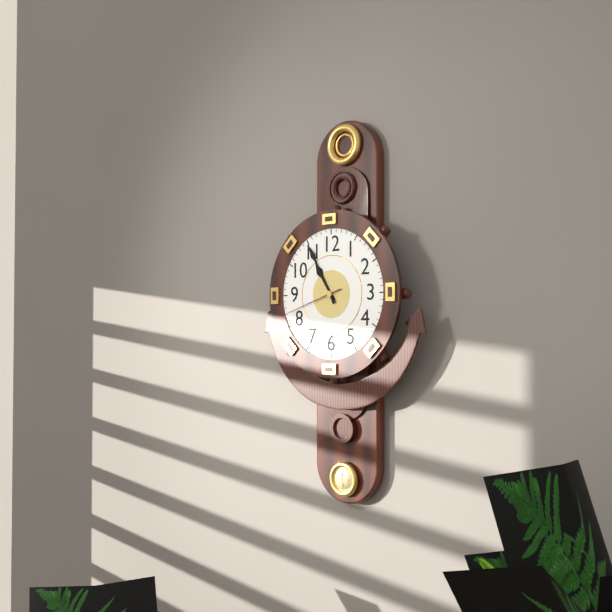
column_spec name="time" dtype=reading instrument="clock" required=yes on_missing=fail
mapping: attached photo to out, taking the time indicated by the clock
10:55:42
